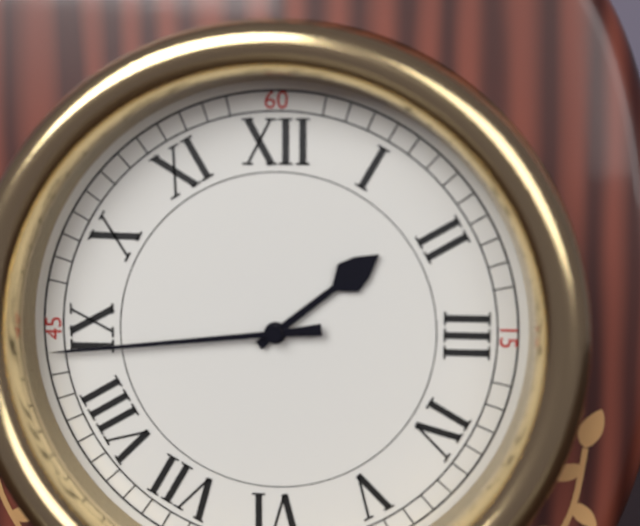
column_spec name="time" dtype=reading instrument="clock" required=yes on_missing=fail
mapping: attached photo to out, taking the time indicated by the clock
1:44
